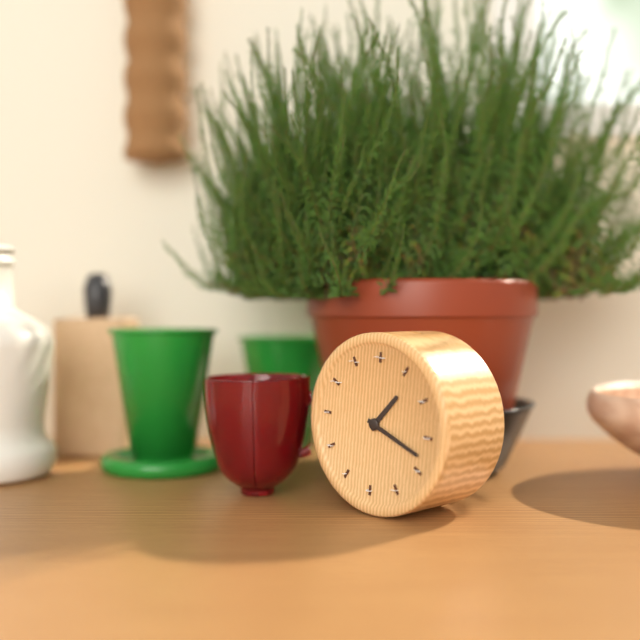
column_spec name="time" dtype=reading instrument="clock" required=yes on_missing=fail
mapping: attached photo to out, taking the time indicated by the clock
1:18
